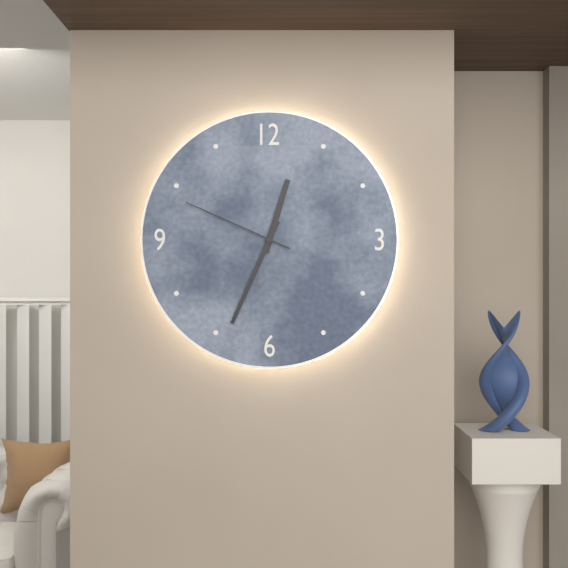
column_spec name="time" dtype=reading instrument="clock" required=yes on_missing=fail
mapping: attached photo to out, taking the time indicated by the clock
12:34:49
